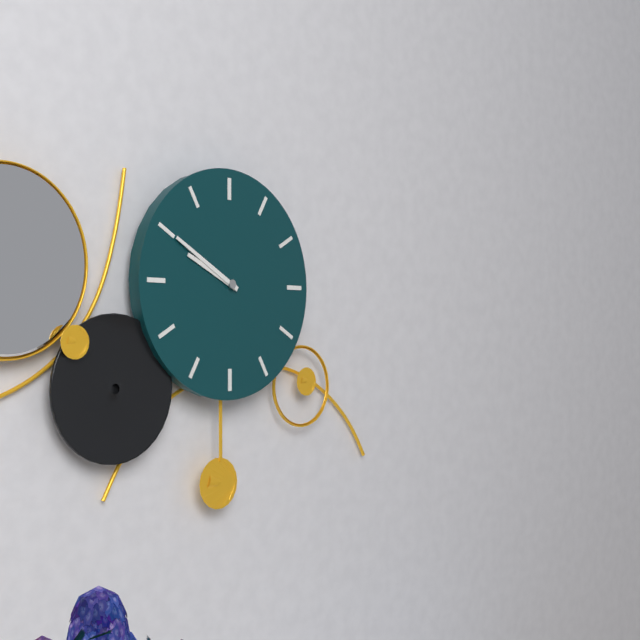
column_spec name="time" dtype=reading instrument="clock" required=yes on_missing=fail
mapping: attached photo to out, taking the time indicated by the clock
9:50
